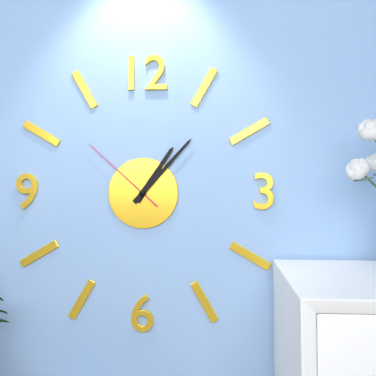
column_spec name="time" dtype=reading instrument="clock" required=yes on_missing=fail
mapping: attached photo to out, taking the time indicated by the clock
1:07:52
